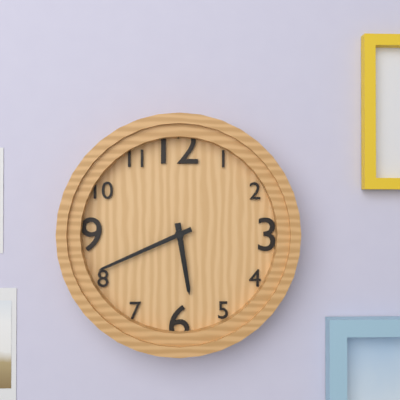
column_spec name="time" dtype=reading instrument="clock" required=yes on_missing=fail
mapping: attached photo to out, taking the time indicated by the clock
5:41
